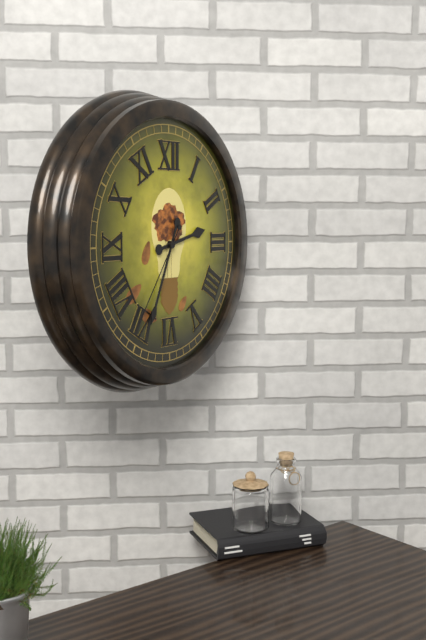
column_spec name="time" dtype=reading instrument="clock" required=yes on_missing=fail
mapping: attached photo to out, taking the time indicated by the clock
2:34:36
